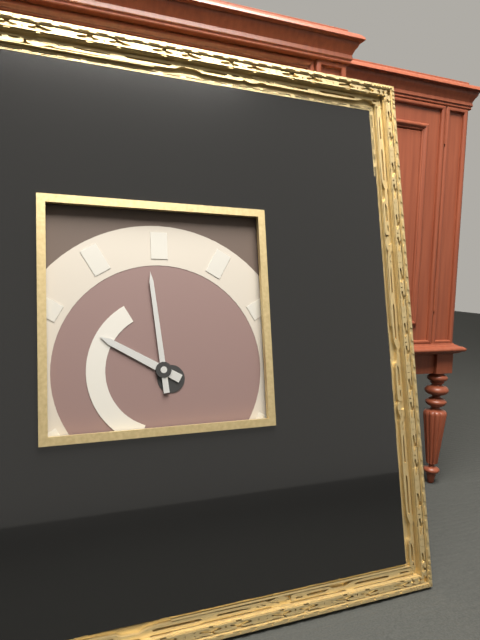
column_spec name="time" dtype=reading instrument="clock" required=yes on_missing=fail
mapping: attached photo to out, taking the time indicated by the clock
9:59
